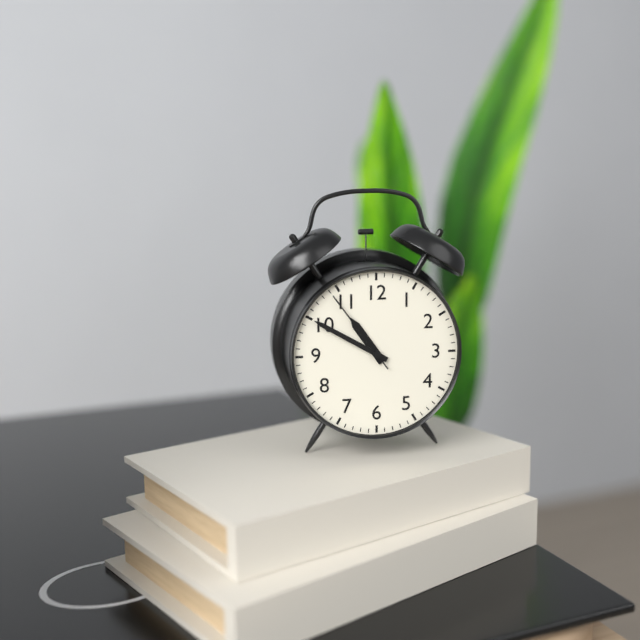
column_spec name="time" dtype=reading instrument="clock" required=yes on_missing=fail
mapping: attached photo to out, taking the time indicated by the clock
10:50:54
